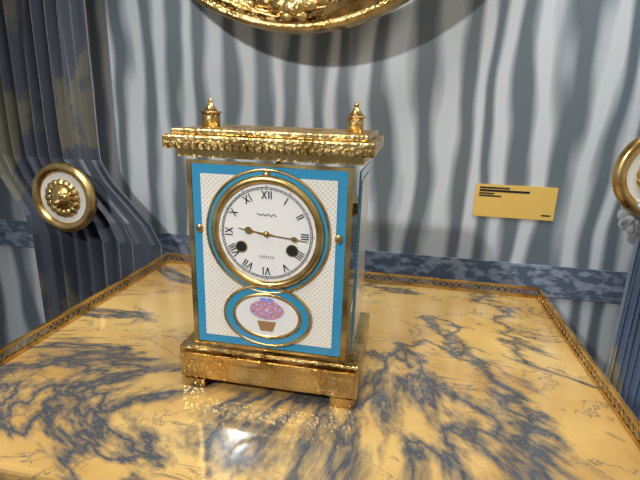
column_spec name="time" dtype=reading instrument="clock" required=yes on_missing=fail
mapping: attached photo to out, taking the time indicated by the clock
9:16
